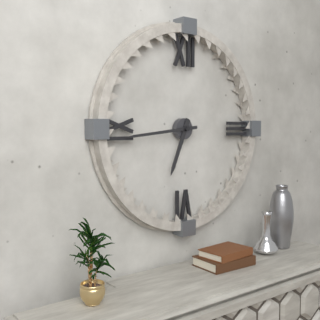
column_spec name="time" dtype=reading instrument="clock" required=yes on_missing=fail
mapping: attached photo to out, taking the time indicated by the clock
6:44
